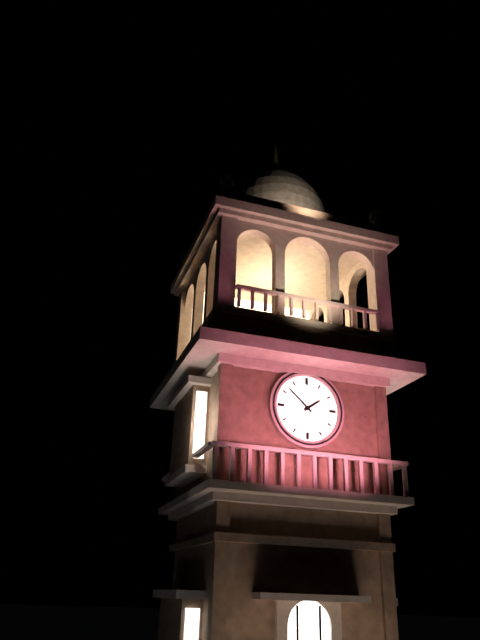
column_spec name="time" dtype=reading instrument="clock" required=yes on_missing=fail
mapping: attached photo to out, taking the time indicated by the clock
1:52
